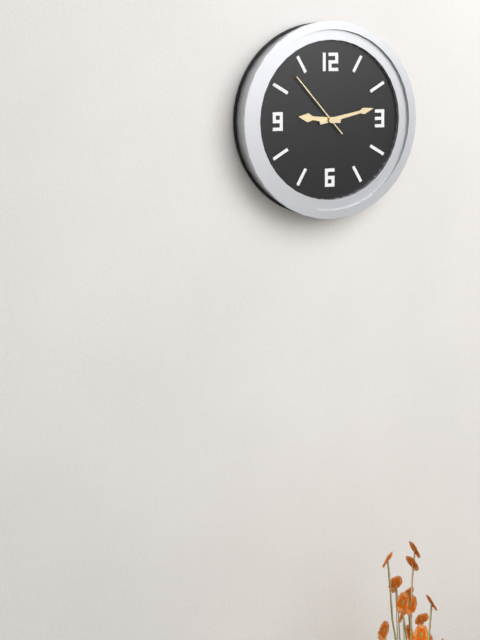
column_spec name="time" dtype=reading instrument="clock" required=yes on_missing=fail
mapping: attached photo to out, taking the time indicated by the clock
9:13:53
